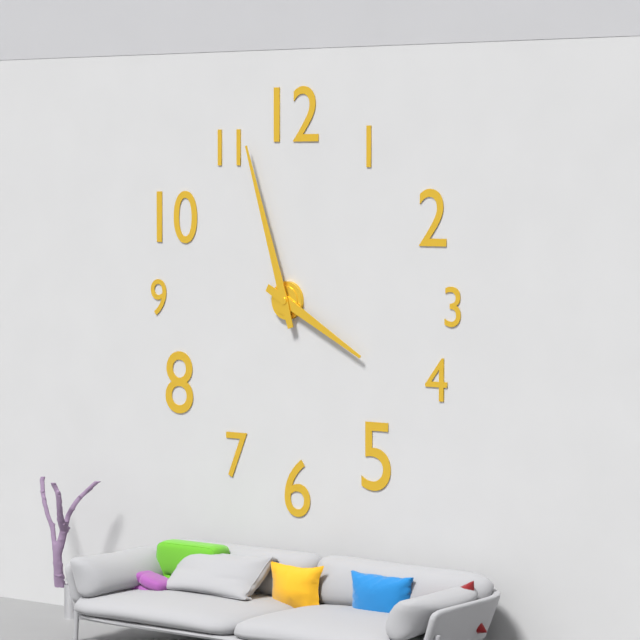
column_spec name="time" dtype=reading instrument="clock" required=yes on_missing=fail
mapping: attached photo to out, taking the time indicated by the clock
3:57
